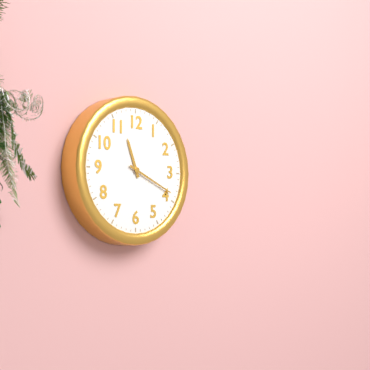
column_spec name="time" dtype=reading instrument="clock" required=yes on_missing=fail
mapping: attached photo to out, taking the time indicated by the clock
11:19
